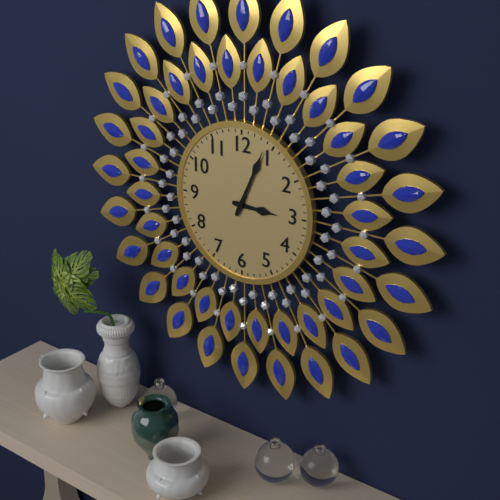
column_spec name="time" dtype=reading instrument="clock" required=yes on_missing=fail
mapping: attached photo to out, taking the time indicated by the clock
3:04
